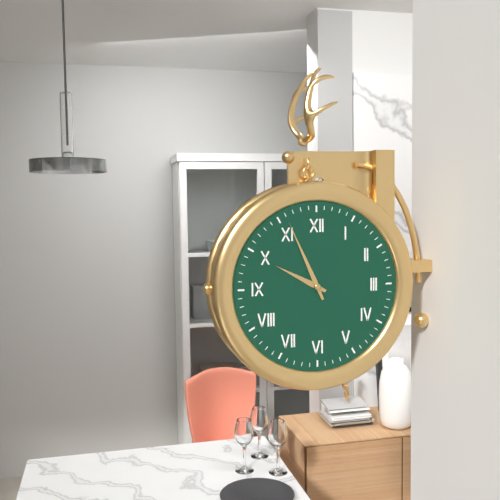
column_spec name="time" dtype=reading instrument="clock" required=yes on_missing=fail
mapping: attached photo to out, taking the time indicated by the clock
9:56
